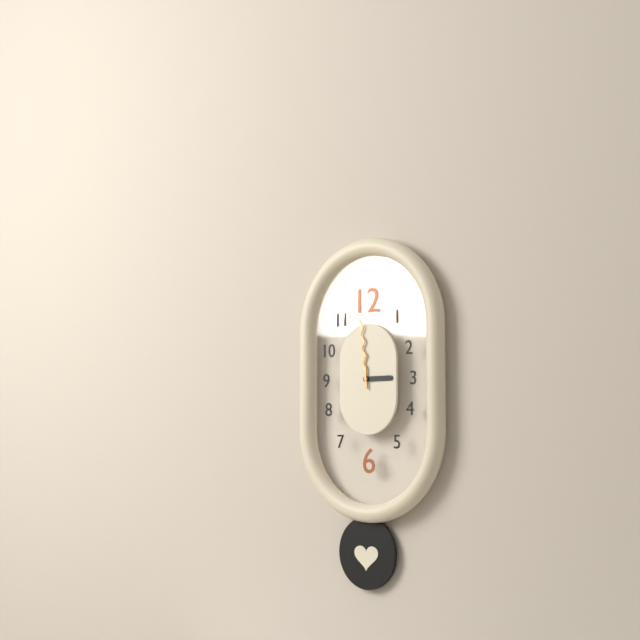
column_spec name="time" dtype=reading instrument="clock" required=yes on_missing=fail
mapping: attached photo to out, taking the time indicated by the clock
2:59
